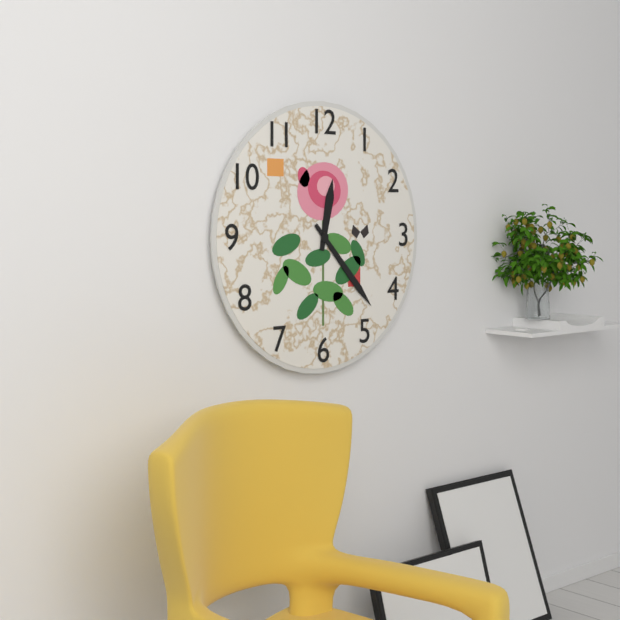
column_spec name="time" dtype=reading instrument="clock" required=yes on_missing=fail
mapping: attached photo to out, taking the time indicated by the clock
12:23
